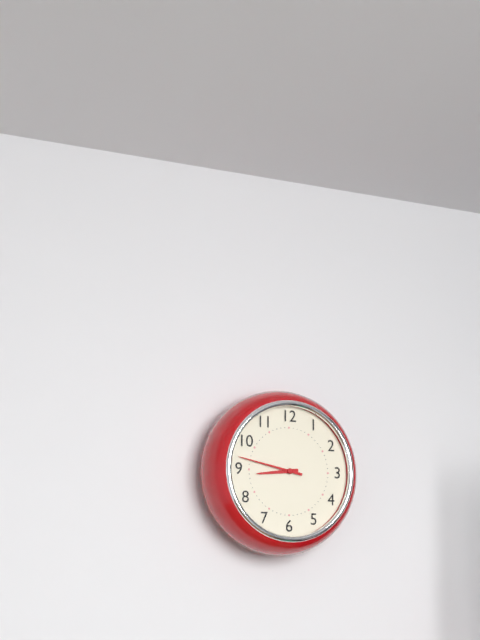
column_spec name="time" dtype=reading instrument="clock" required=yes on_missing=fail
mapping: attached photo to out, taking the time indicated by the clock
8:47
